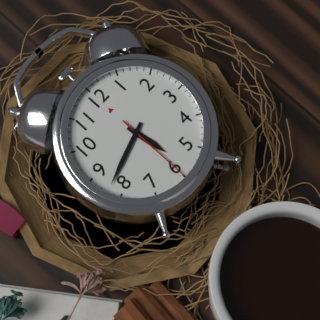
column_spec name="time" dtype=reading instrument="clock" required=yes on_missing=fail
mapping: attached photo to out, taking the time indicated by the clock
5:42:30
